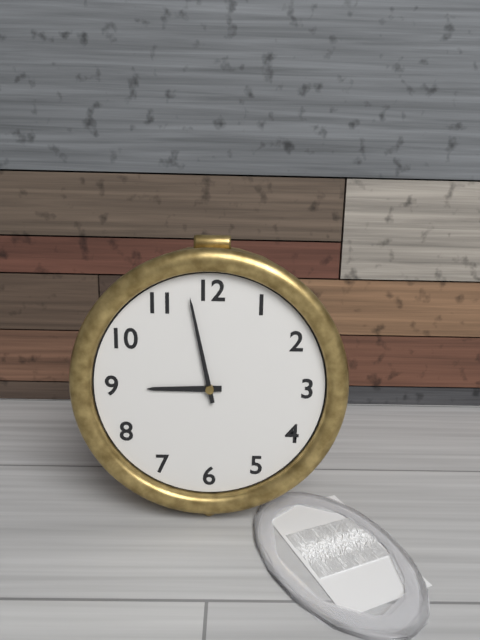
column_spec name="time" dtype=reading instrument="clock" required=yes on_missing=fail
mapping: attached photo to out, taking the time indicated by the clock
8:58
